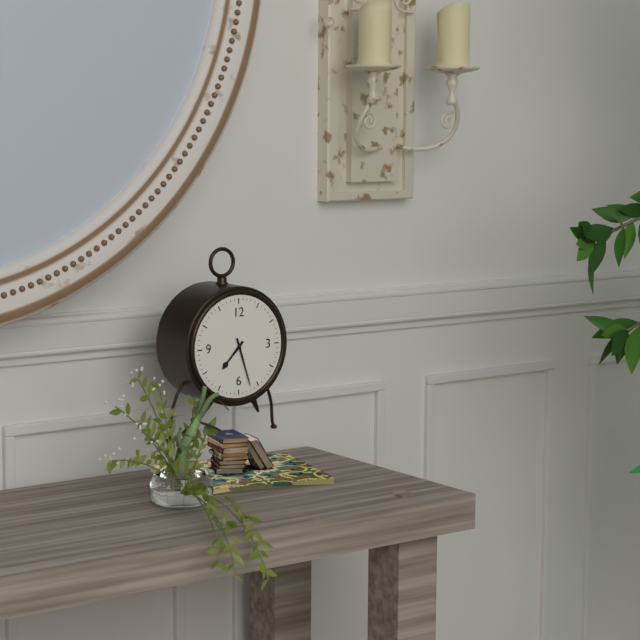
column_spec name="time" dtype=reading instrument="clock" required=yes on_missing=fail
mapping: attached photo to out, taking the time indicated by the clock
7:27
